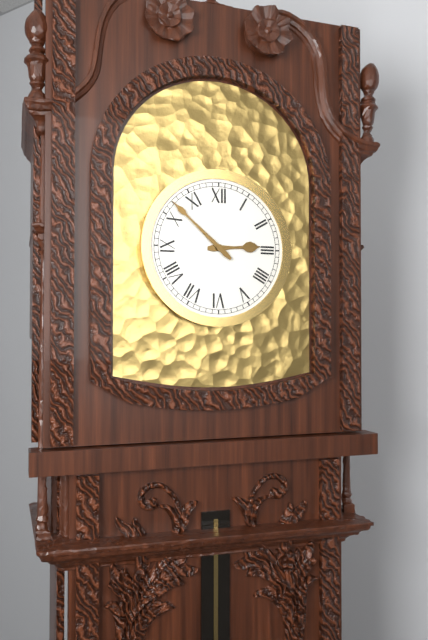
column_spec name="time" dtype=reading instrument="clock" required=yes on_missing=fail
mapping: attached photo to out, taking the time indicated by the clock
2:52
